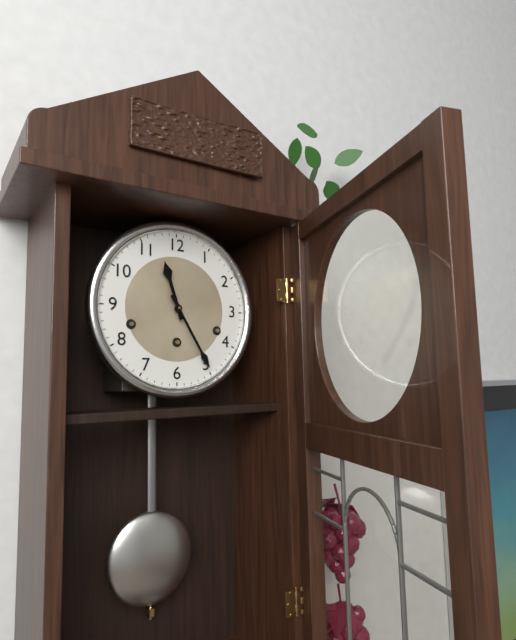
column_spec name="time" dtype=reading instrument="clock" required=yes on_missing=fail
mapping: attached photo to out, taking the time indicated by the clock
11:25
